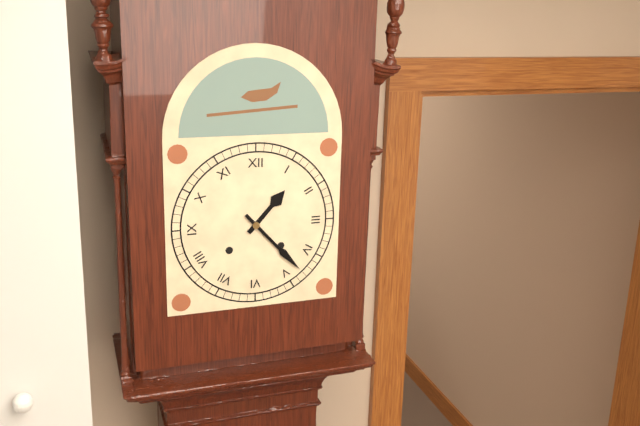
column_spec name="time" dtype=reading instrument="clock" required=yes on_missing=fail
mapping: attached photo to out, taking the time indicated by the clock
1:23
